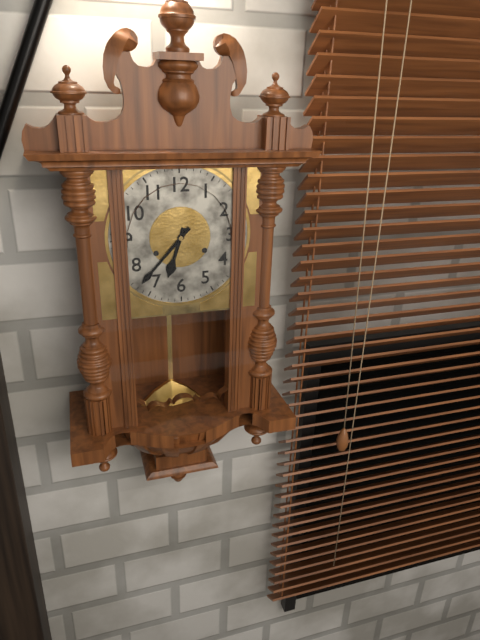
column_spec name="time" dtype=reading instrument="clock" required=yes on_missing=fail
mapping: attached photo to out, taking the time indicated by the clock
6:37
